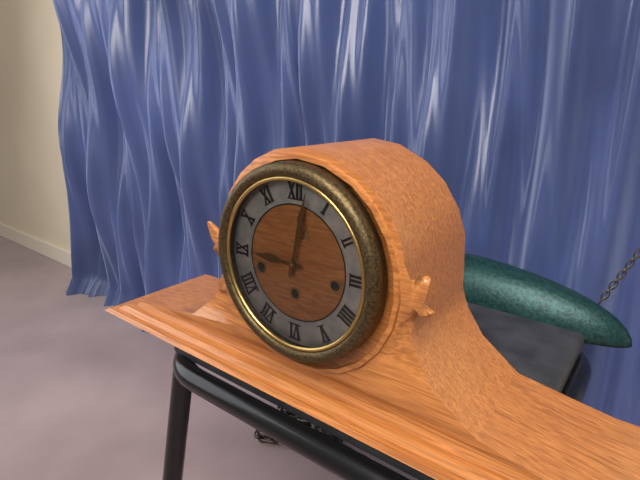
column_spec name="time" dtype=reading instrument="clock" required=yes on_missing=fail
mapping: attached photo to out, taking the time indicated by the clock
9:02
